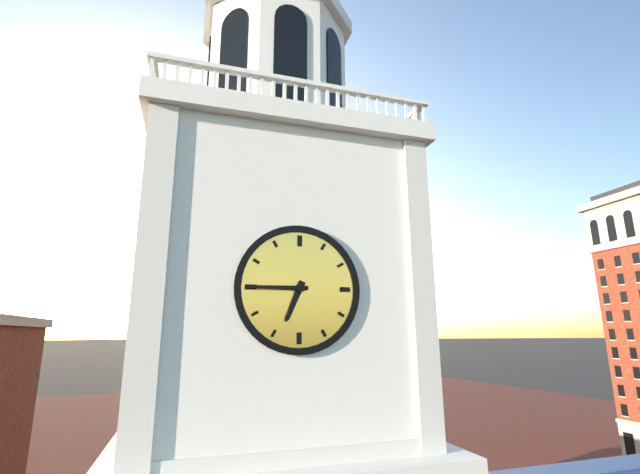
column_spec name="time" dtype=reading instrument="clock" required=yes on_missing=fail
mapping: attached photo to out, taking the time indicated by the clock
6:45
